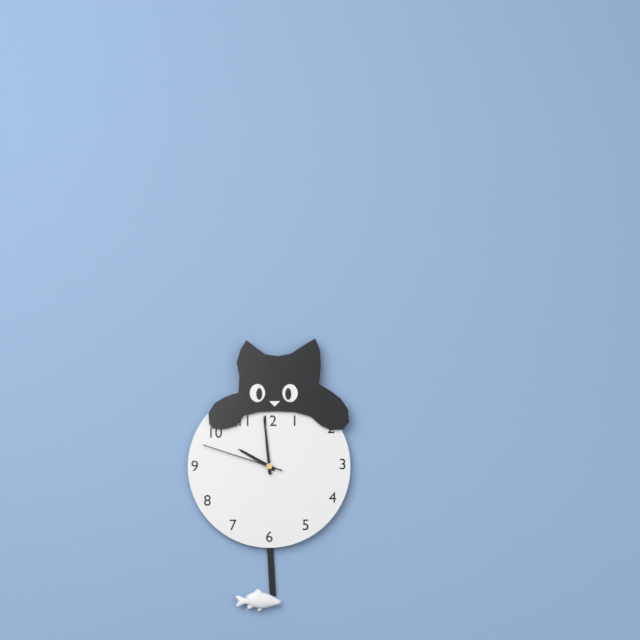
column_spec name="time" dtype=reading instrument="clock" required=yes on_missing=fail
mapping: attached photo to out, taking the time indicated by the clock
9:59:48
